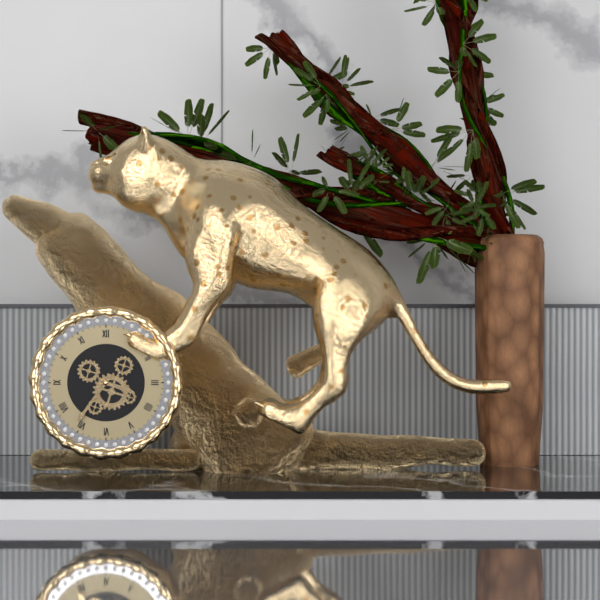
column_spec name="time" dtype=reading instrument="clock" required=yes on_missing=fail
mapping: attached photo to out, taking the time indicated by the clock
3:36
